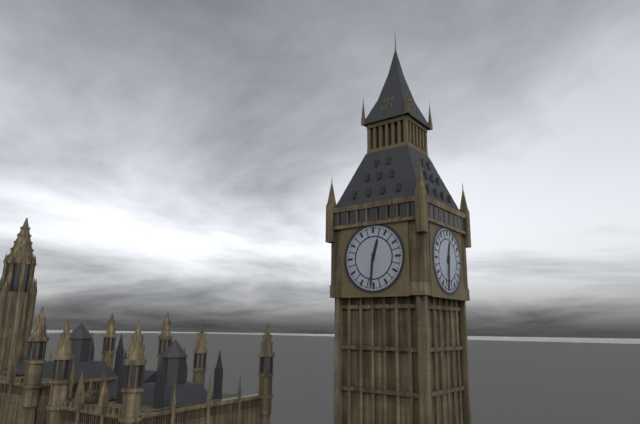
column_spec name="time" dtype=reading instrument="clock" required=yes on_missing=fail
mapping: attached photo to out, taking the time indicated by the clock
12:31
